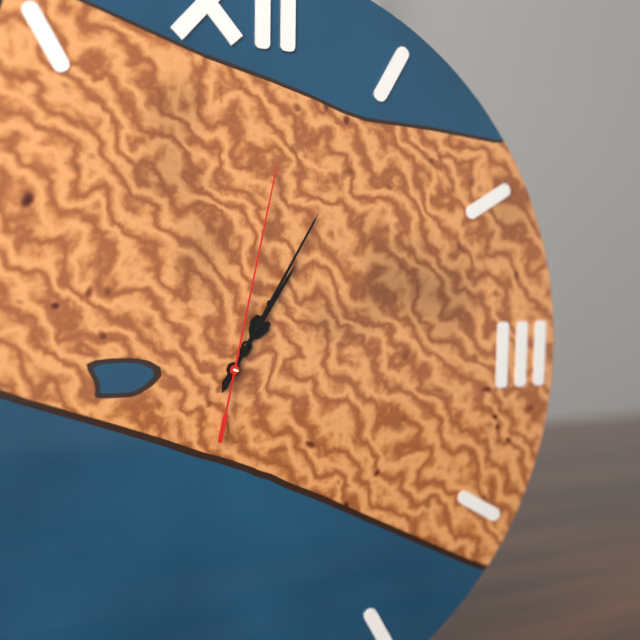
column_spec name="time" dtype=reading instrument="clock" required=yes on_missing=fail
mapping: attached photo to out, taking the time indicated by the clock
1:05:02
